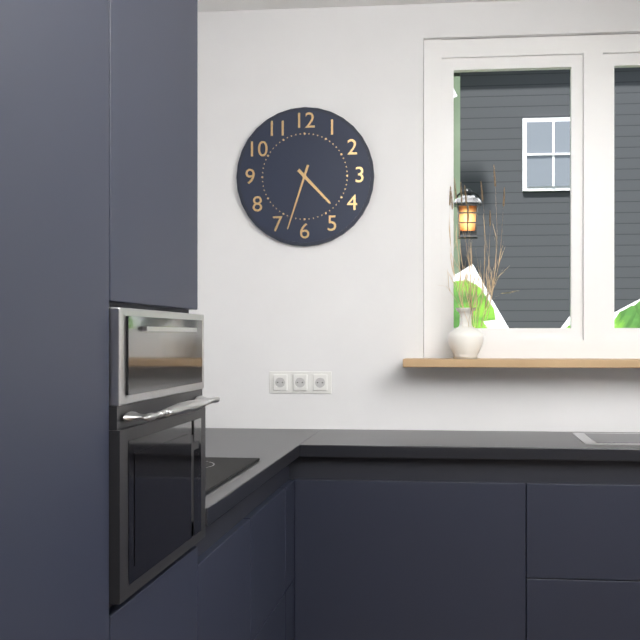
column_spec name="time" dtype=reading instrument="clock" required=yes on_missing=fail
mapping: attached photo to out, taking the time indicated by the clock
4:33
